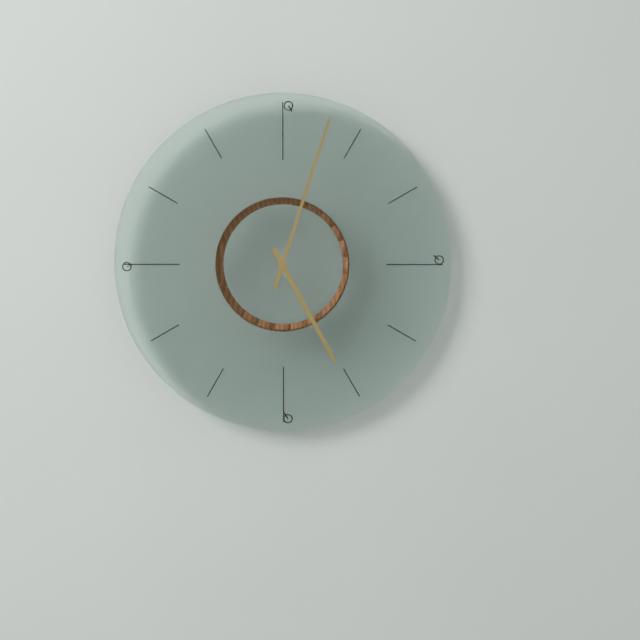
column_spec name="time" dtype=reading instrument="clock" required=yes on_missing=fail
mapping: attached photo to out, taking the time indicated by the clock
5:03
